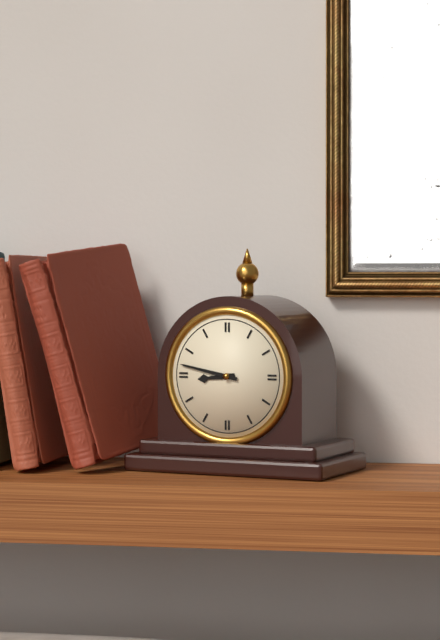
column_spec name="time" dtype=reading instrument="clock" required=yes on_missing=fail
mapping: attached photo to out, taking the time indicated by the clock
8:47
